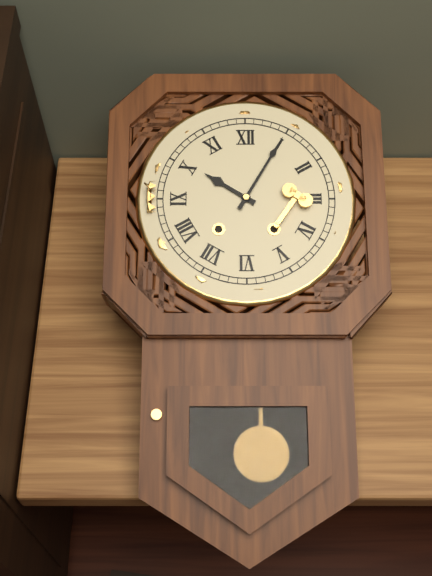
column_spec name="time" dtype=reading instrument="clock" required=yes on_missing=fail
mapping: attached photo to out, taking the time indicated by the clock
10:05
